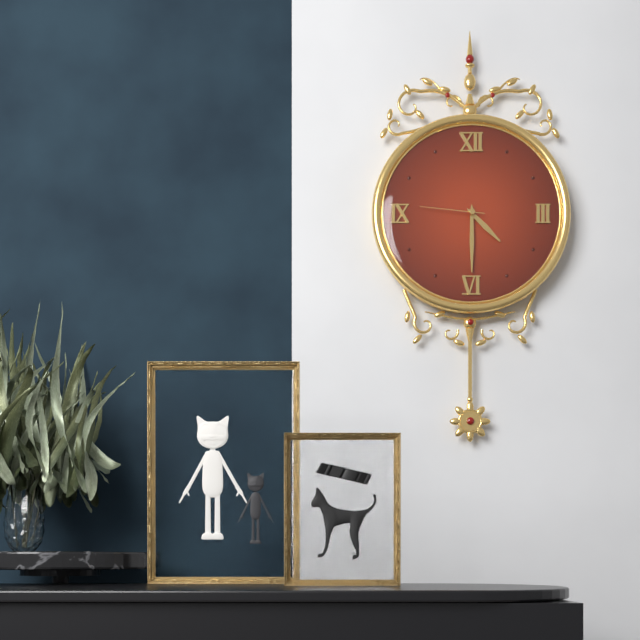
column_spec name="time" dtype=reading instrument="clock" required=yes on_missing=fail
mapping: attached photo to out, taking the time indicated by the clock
4:30:46
